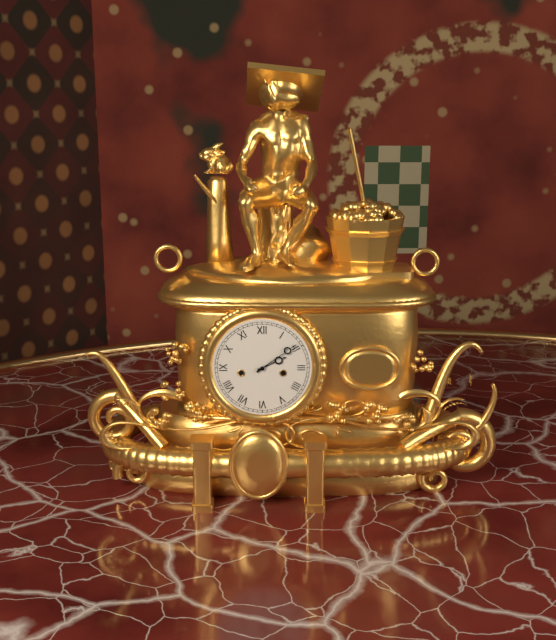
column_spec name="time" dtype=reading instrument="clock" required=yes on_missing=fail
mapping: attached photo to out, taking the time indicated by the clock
2:09
